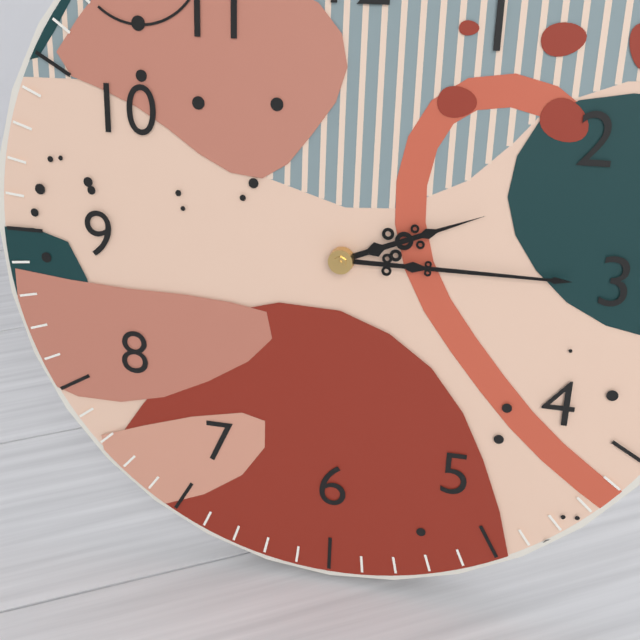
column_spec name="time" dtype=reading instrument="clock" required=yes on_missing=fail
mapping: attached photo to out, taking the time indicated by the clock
2:15
